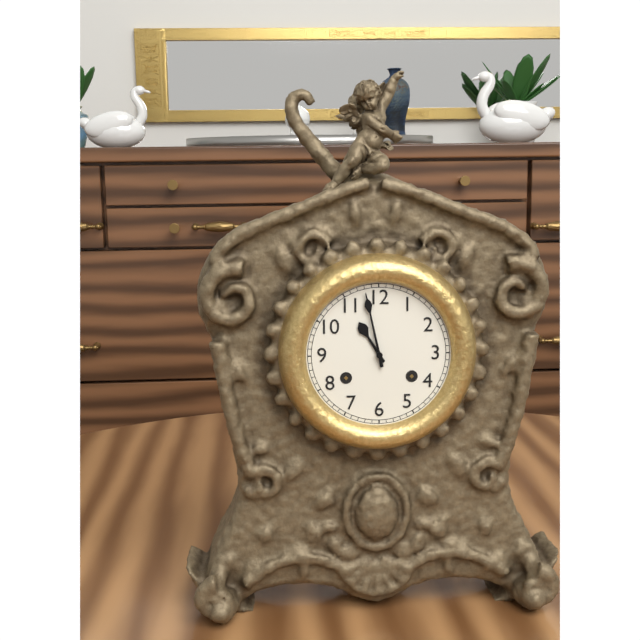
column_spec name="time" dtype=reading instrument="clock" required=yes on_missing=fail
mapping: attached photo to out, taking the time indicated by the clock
10:58
